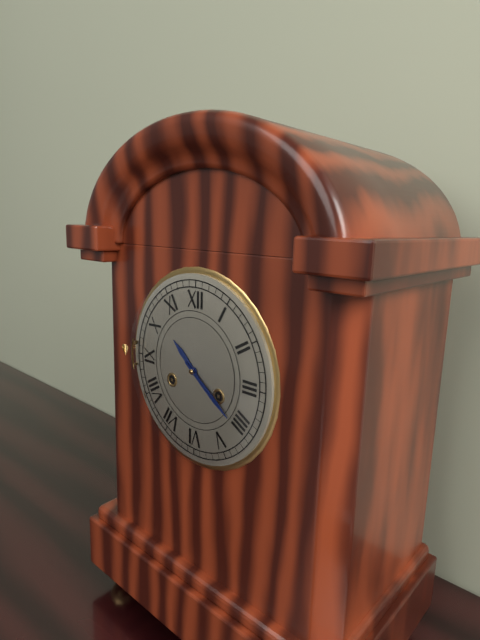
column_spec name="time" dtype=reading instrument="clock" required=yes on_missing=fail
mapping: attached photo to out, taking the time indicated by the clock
10:21
